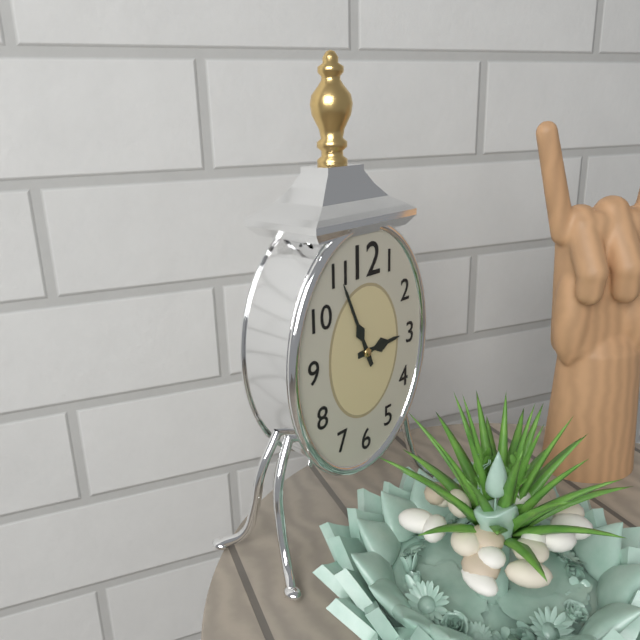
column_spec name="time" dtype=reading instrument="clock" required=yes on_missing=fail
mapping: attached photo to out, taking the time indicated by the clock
2:56
